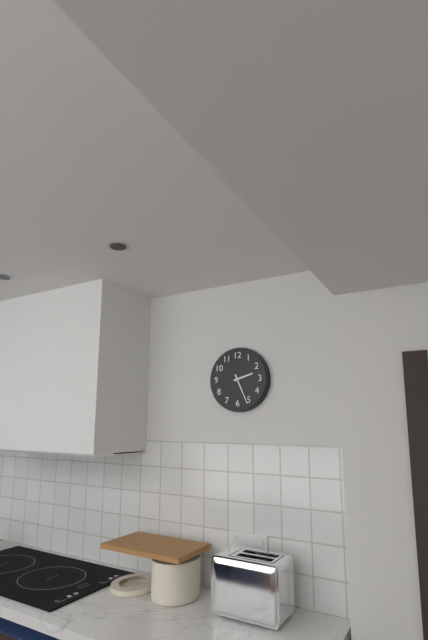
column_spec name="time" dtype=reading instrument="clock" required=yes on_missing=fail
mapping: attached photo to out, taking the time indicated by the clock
2:26
